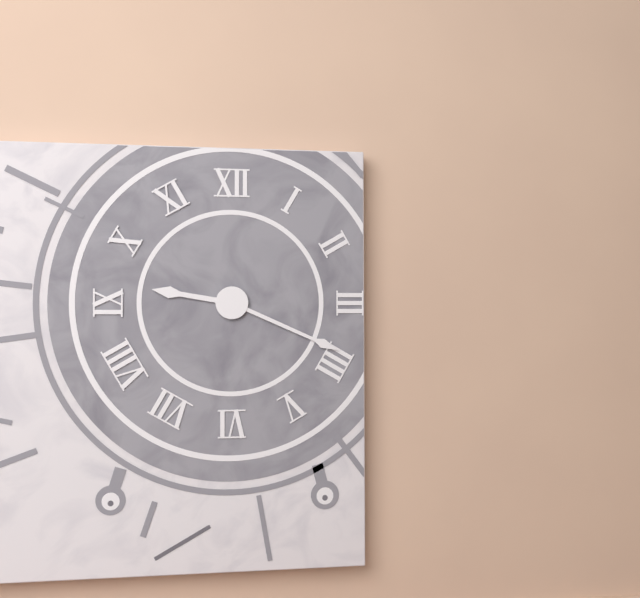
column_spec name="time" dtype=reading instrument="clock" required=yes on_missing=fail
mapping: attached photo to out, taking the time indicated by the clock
9:19
